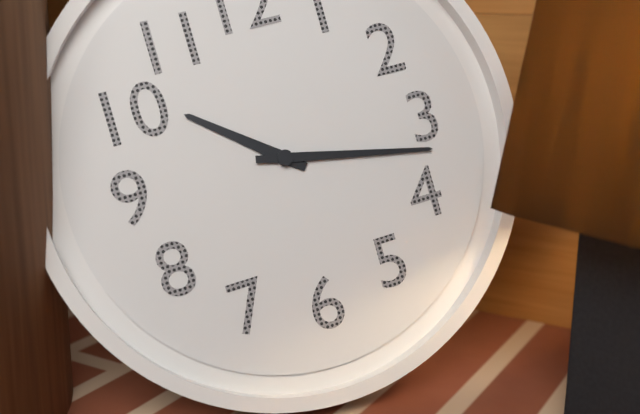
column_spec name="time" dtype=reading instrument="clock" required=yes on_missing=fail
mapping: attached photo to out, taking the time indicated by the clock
10:17
